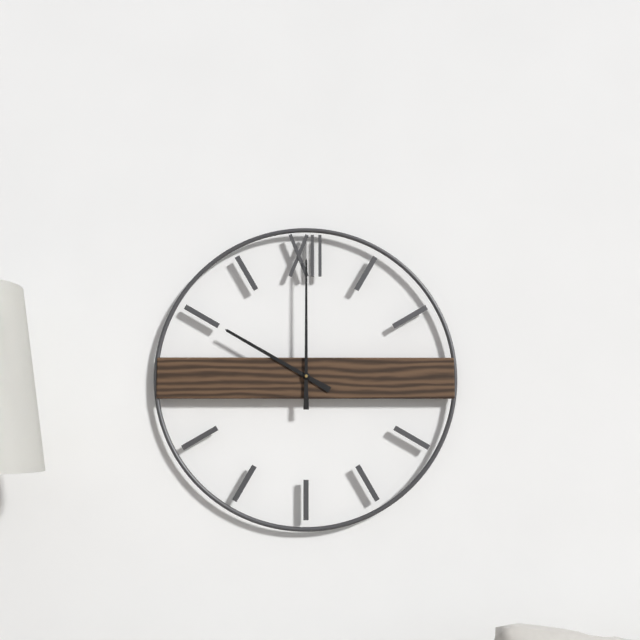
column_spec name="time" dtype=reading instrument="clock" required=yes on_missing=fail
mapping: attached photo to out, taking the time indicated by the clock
10:00
